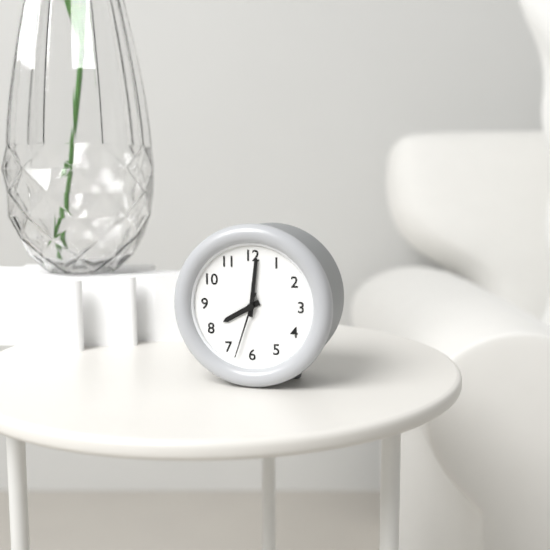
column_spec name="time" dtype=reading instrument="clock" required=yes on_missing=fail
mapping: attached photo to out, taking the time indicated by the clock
8:01:33
